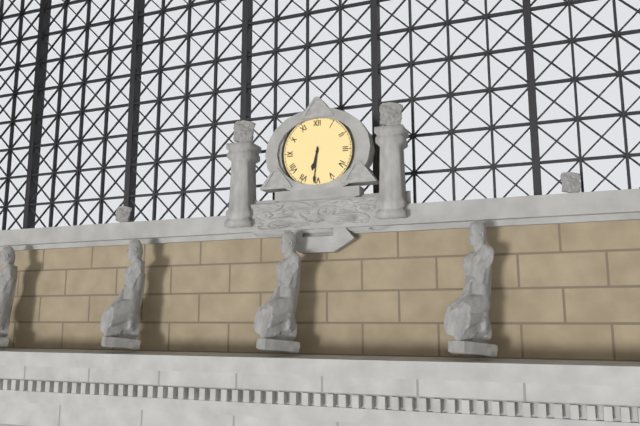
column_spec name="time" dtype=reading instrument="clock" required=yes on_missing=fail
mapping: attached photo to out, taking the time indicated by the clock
6:31
